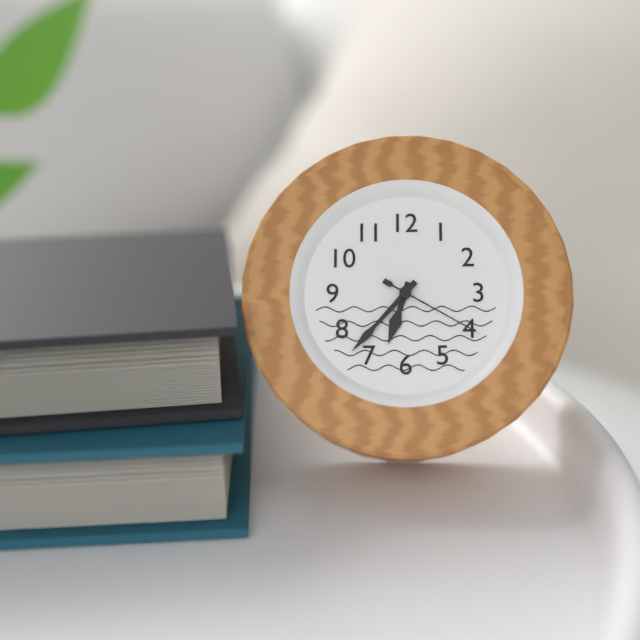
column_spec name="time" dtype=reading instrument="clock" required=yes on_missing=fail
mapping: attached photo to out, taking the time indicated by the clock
6:37:20
